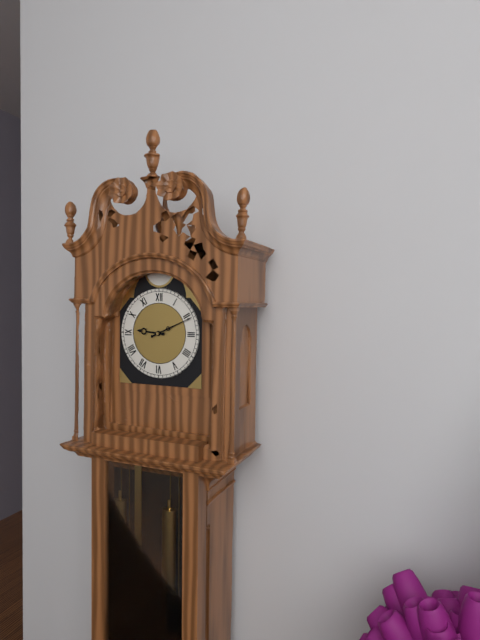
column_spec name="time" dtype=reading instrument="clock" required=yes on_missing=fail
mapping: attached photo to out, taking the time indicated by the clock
9:11
